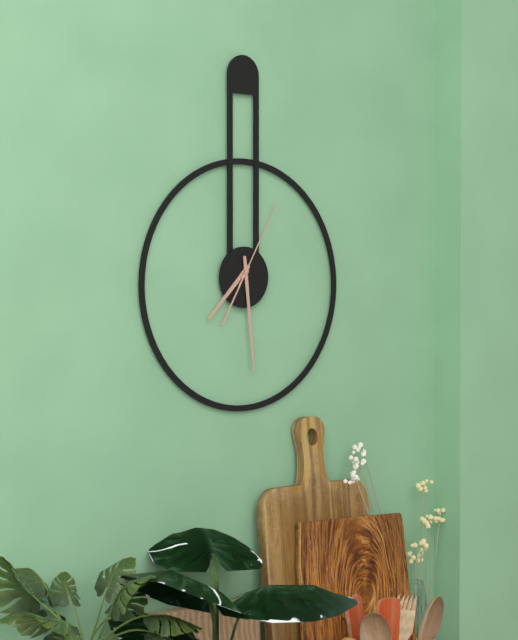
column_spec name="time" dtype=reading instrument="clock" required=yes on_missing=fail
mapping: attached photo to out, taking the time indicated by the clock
7:29:05
